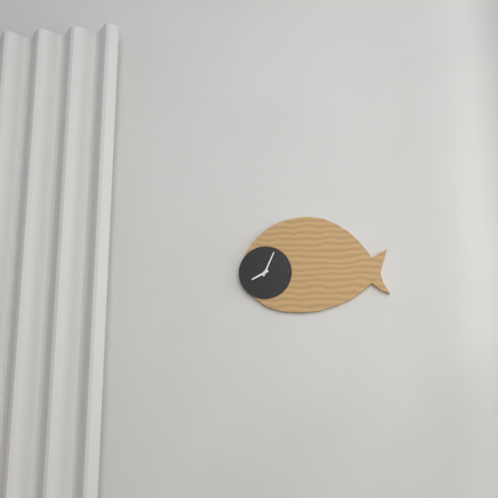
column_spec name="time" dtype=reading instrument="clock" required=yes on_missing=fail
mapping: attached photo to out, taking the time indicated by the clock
8:04
